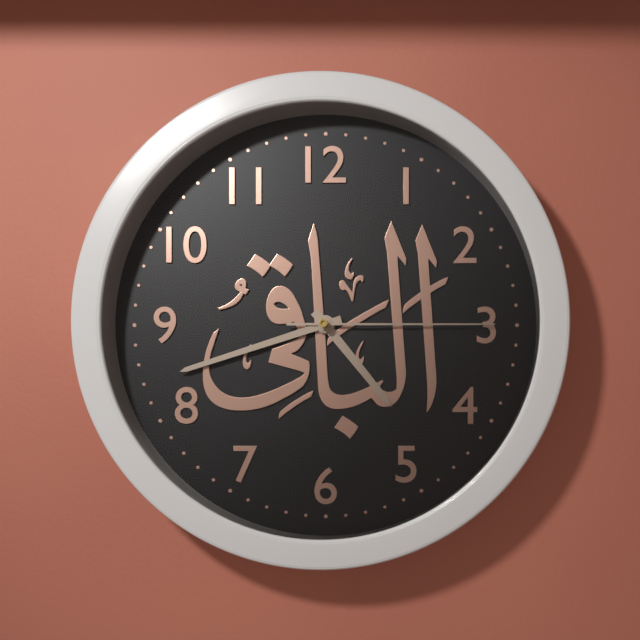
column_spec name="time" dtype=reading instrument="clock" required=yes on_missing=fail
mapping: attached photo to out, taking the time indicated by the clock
4:42:15
